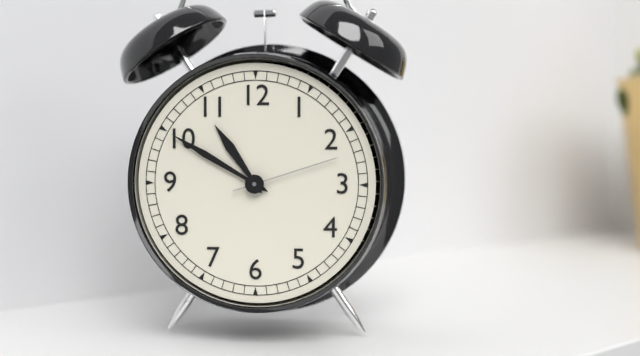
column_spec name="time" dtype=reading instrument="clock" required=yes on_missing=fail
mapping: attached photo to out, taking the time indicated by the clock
10:50:12
